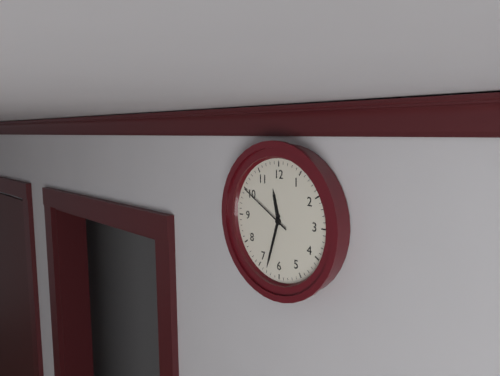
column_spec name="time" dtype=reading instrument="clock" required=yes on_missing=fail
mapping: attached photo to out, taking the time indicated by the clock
11:33:50
